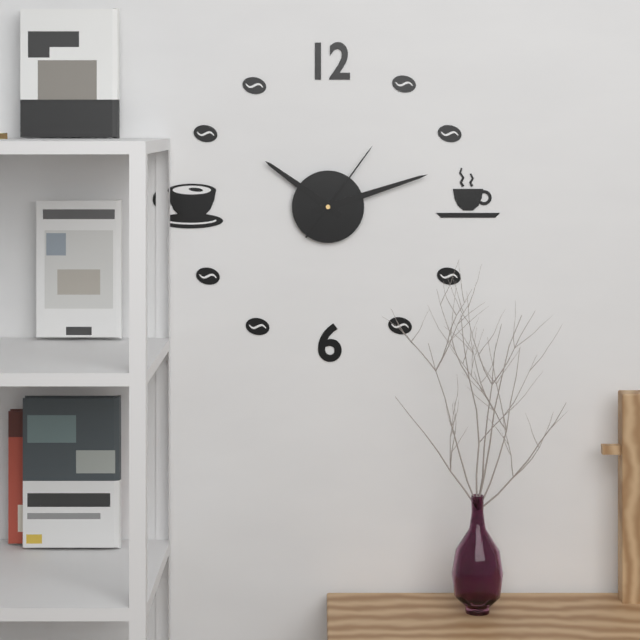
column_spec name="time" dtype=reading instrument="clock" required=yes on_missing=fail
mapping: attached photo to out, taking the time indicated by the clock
10:12:06
